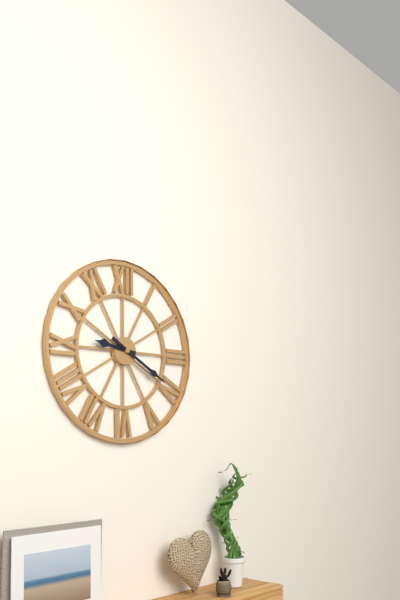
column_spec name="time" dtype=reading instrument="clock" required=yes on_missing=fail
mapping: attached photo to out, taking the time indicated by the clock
9:20
